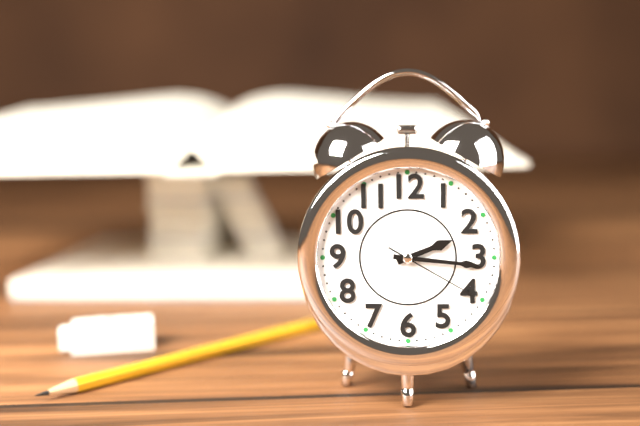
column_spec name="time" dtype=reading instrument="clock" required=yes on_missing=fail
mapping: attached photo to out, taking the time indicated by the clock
2:16:20
